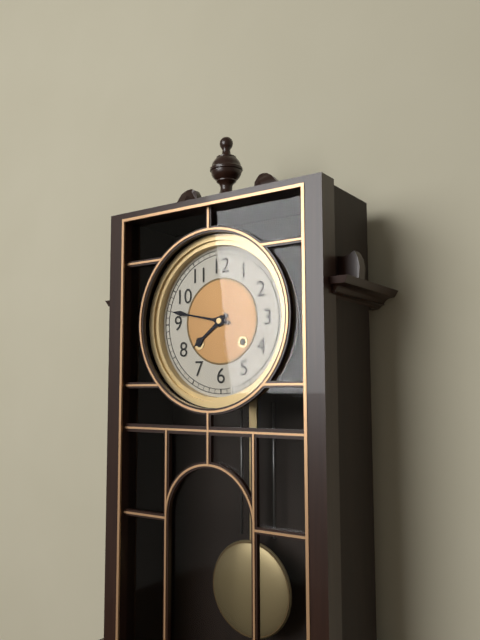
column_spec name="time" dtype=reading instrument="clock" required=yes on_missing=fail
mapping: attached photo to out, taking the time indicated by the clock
7:47
